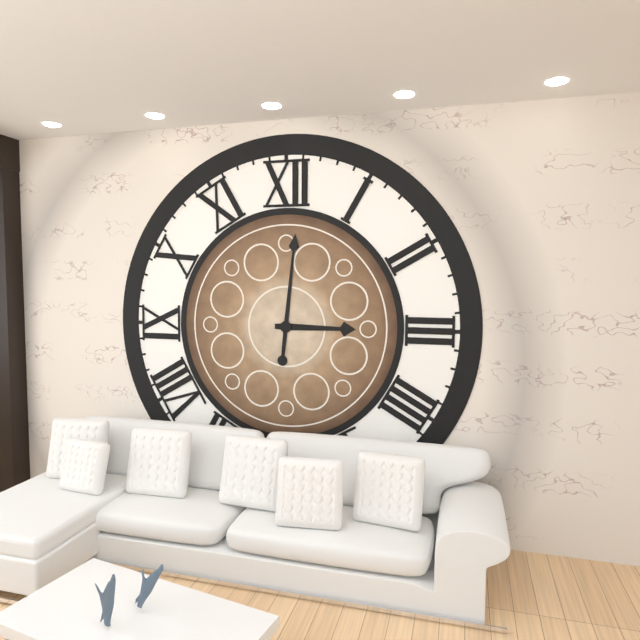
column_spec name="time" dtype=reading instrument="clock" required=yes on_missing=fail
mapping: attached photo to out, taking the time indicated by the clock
3:01
